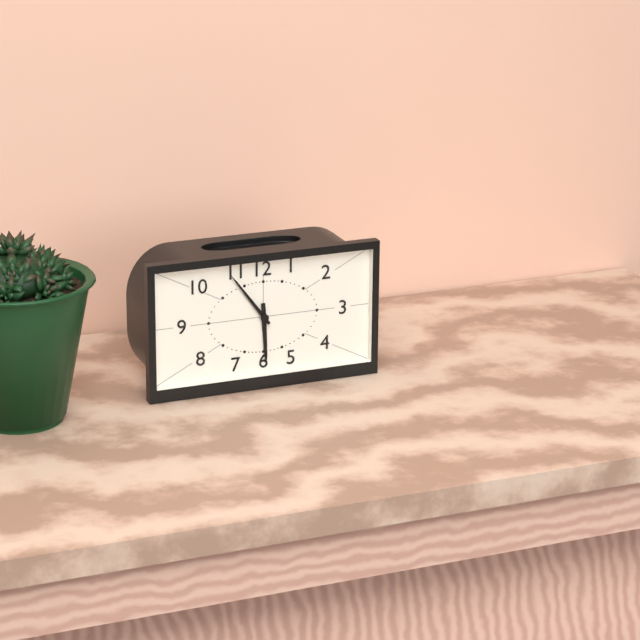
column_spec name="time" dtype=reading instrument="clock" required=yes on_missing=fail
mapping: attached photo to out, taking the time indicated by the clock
5:54
